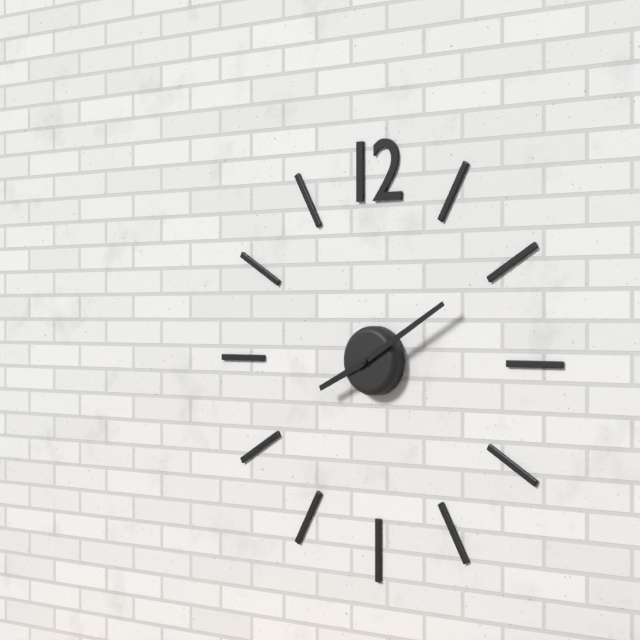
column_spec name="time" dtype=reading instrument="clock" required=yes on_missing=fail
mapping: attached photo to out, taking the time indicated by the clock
8:10
